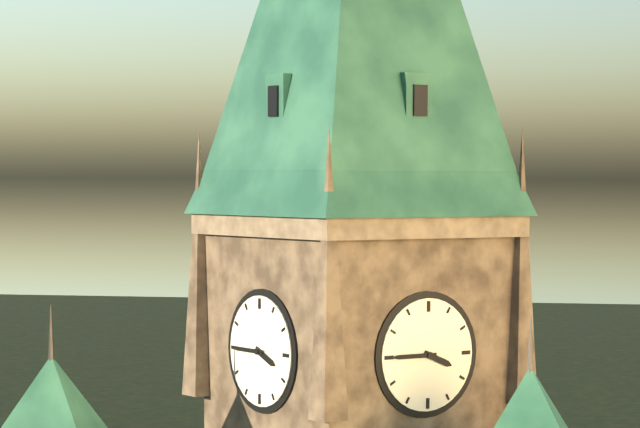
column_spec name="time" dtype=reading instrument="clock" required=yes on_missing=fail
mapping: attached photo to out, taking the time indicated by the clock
3:45
